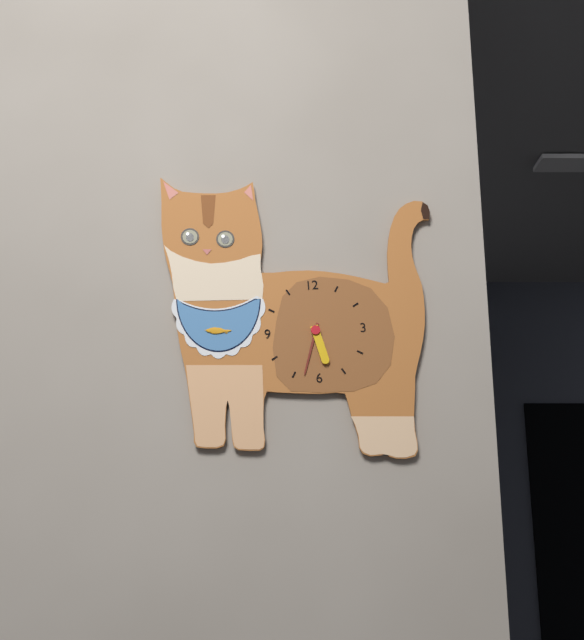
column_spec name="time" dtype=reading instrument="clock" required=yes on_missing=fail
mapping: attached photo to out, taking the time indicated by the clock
5:33
